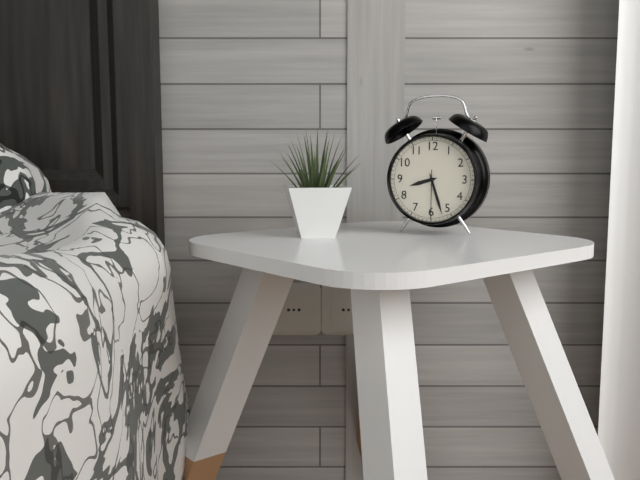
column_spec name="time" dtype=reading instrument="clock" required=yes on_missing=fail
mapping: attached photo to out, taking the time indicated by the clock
8:27
